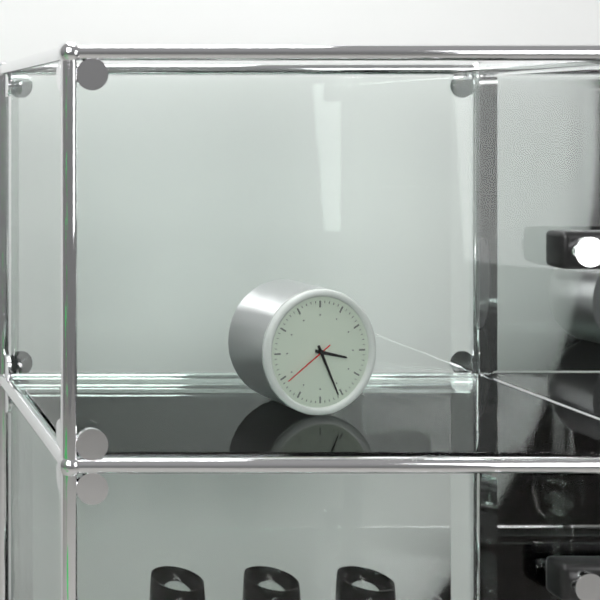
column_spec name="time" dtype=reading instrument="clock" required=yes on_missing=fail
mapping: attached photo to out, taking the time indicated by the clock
3:26:39
